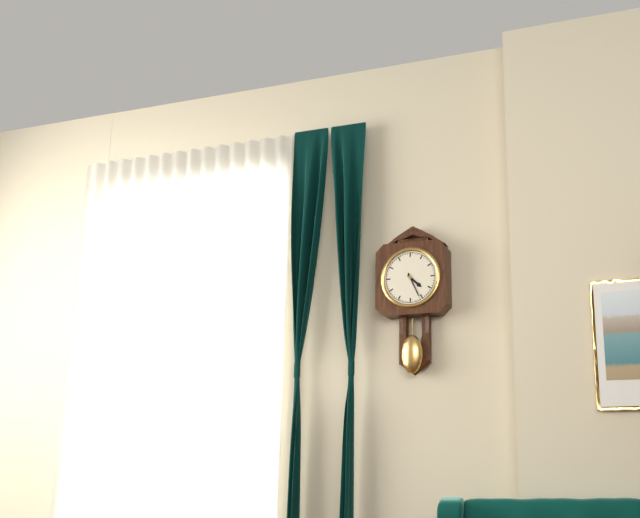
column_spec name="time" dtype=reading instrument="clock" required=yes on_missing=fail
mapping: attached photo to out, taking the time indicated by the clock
4:26
